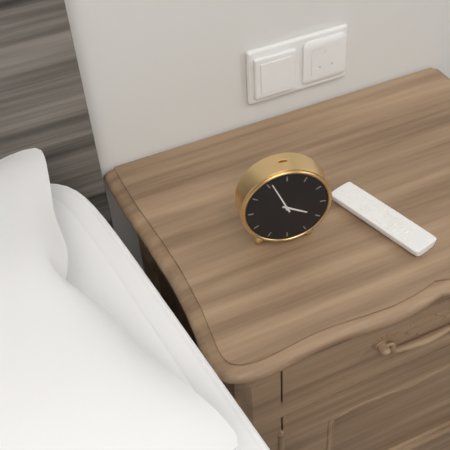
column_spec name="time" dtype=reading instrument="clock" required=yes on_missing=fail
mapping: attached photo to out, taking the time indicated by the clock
3:56
